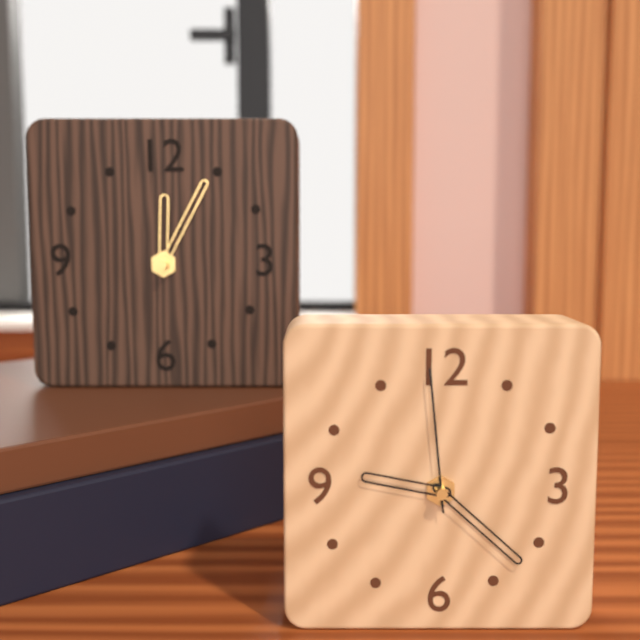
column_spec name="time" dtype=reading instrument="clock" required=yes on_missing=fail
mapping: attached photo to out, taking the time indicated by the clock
9:22:59
